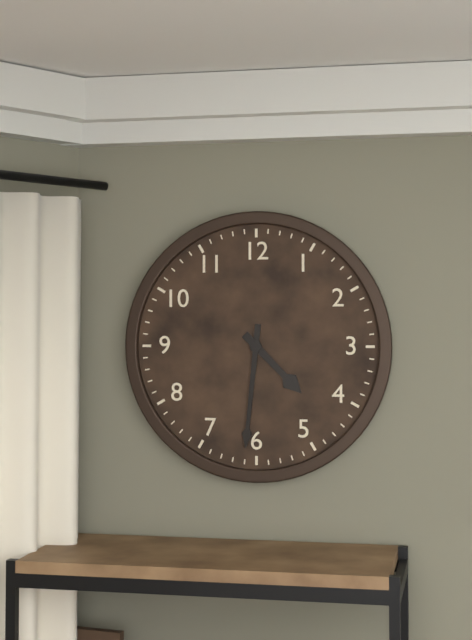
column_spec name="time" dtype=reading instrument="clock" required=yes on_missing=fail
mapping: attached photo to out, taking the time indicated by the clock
4:31
